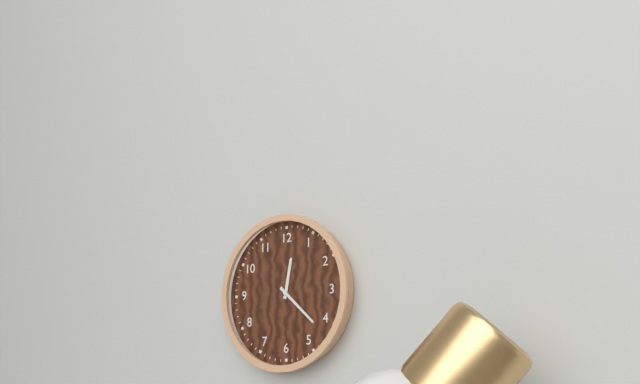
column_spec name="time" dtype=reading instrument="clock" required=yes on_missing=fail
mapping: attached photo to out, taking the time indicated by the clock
12:22
